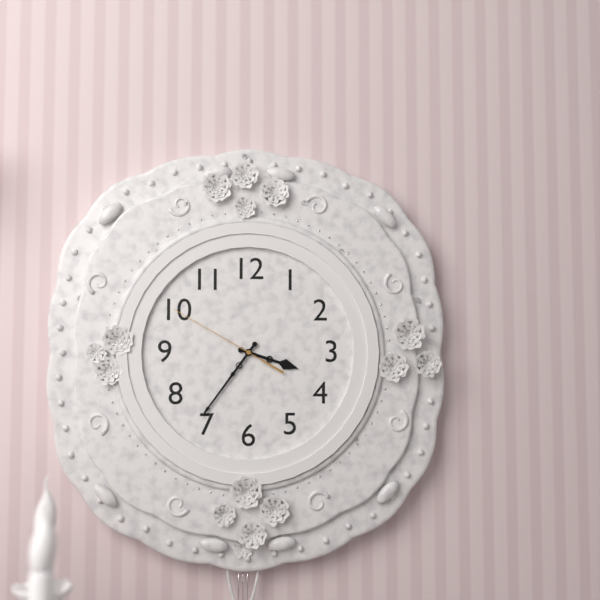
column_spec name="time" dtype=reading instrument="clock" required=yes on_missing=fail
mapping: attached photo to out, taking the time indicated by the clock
3:36:50
